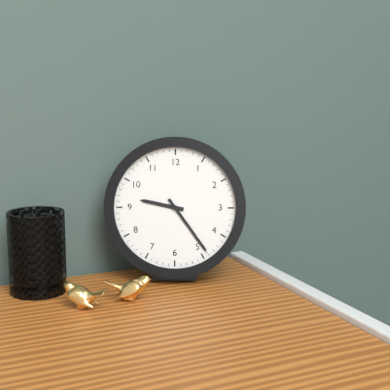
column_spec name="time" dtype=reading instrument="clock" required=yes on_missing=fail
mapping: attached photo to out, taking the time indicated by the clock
9:24
